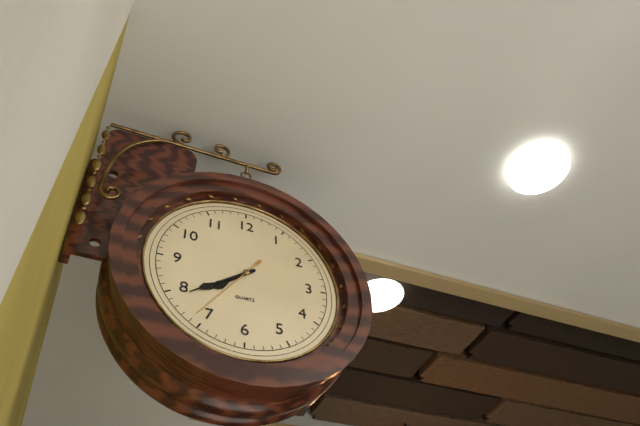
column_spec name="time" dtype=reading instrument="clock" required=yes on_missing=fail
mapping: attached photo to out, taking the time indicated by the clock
7:39:36
